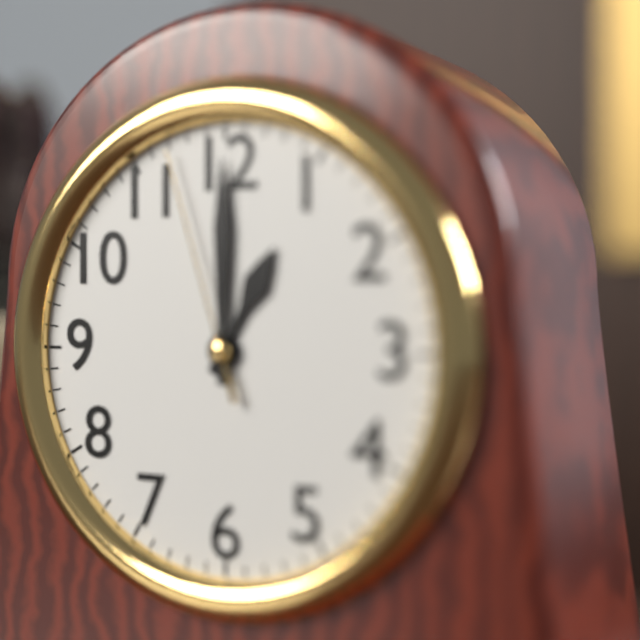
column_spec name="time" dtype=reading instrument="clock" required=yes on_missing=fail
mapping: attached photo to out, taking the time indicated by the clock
1:00:57
